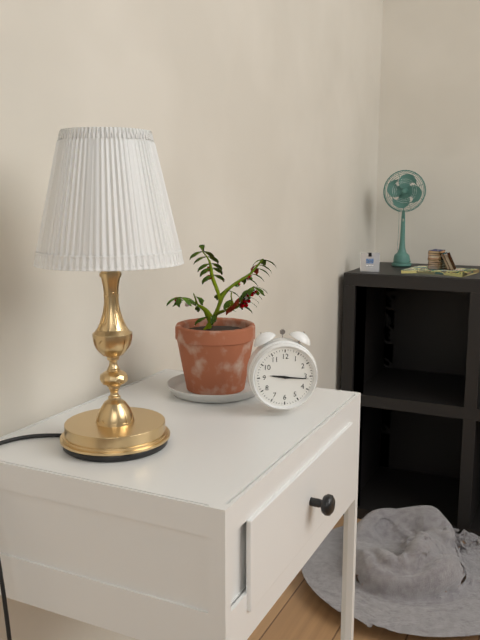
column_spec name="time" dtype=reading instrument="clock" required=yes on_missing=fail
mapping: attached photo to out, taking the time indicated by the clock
9:16
